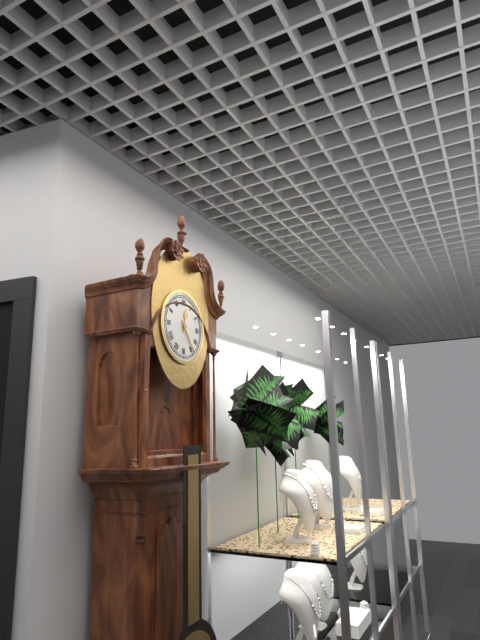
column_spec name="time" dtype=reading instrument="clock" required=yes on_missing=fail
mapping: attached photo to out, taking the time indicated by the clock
12:24
